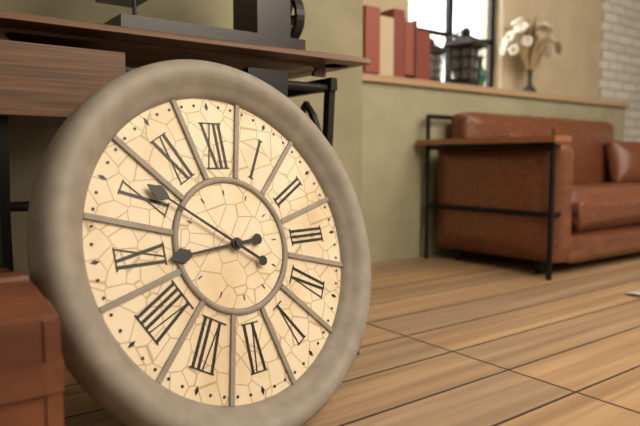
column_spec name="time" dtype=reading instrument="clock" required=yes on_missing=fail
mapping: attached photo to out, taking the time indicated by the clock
8:51
